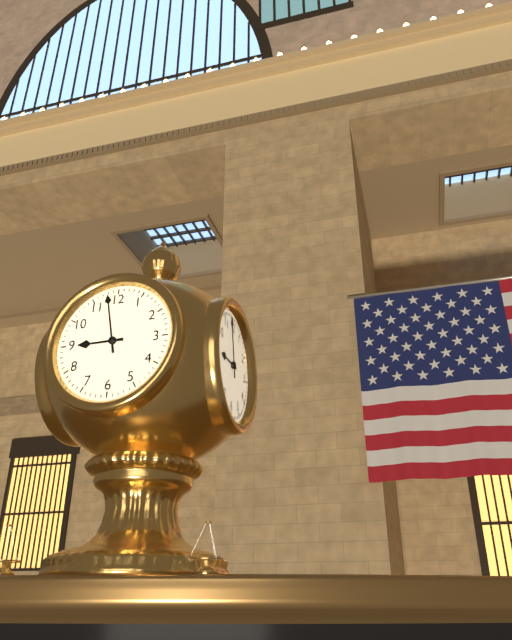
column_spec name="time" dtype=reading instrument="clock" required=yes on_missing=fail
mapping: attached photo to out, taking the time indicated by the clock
8:58
